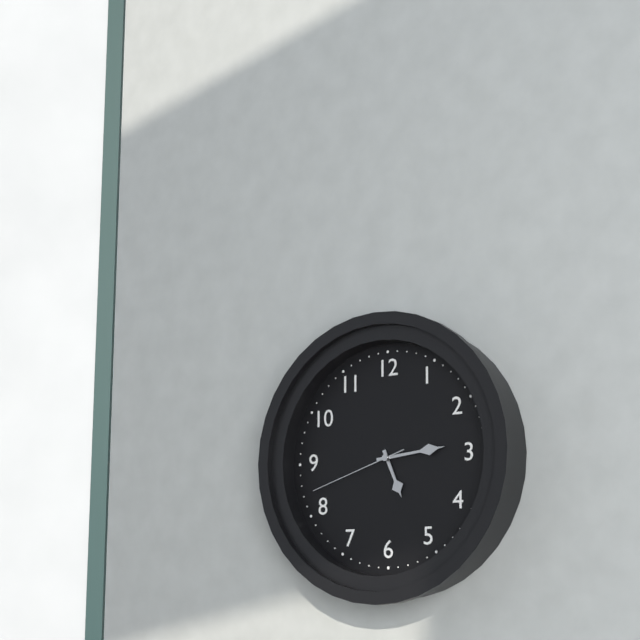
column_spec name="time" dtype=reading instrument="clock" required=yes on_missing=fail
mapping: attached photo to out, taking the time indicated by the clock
5:14:42
